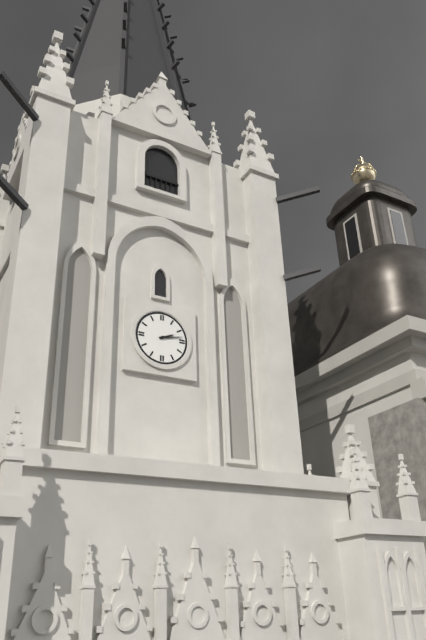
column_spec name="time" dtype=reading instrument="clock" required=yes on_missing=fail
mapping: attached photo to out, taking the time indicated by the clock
2:13
